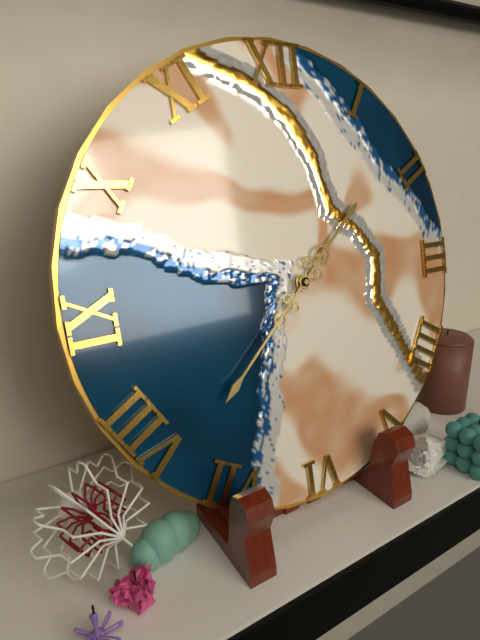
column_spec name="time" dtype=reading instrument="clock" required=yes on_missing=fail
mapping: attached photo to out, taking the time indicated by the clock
1:38
